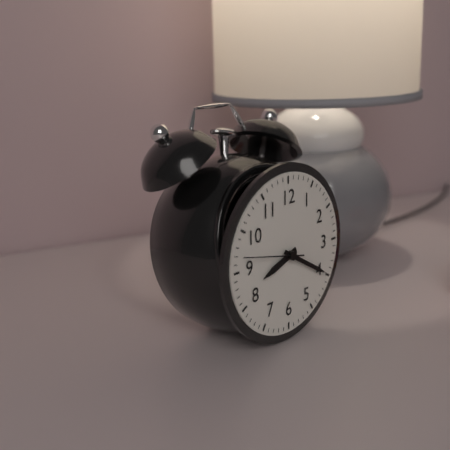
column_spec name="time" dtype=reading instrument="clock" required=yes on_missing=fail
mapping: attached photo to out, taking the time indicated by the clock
8:20:47
